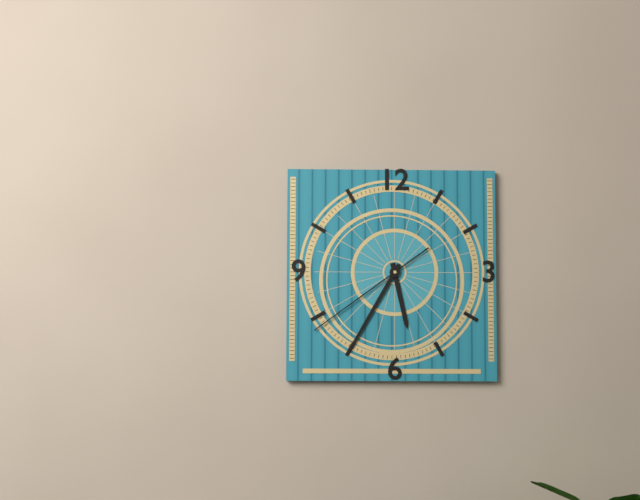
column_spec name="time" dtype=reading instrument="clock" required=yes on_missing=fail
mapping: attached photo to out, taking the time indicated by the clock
5:35:39
